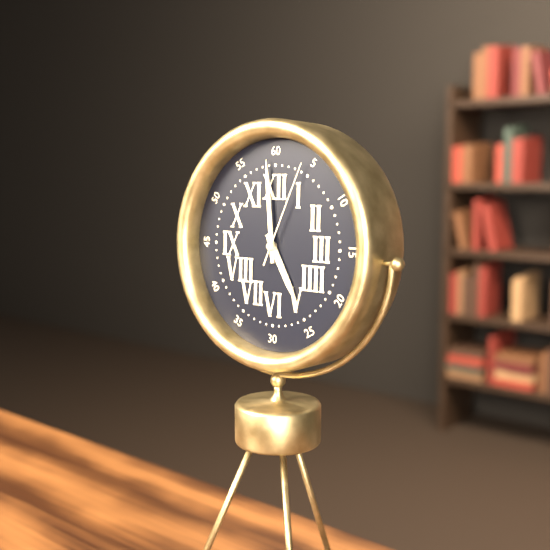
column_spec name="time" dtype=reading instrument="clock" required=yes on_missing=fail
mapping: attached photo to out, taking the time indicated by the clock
4:59:04
